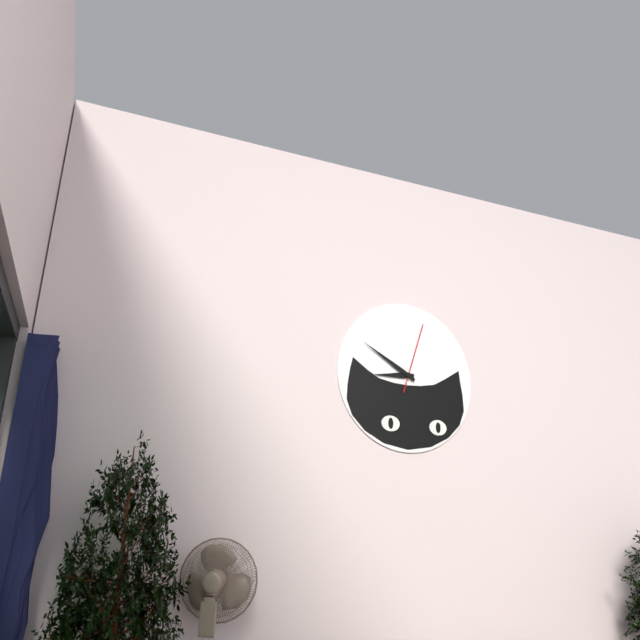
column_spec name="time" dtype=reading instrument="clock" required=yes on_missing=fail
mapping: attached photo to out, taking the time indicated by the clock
8:50:03
